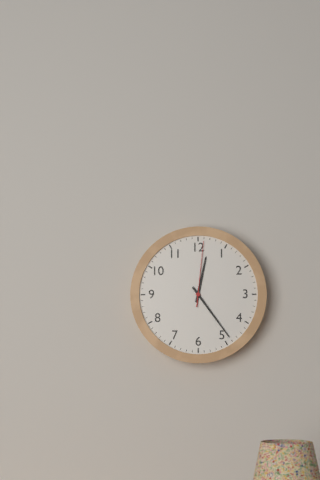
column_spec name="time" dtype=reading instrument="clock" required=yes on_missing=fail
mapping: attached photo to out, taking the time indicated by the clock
12:24:01
